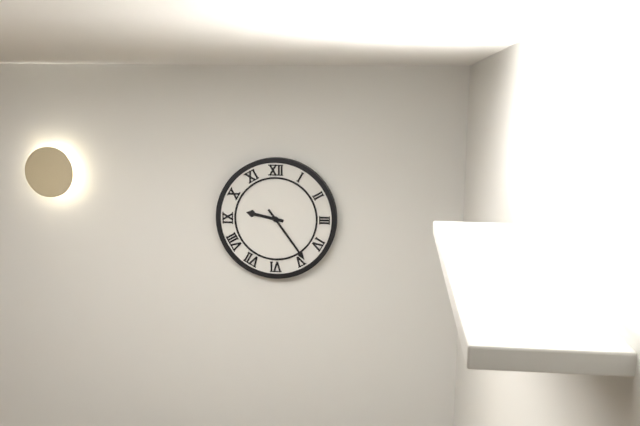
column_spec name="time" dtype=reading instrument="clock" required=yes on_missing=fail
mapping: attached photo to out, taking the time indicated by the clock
9:24
